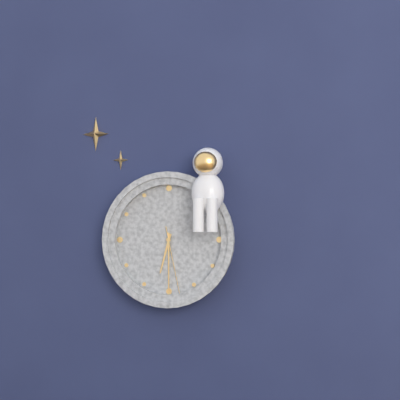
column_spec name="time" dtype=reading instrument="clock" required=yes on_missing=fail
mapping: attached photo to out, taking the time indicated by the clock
6:30:28
